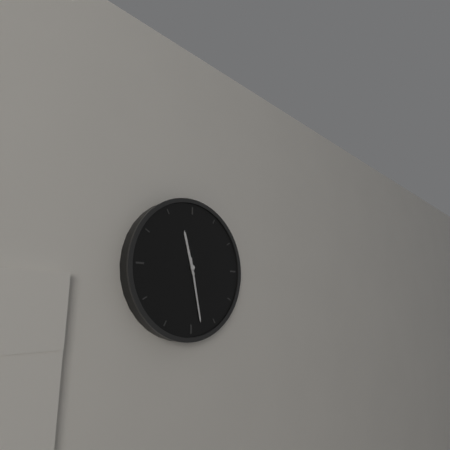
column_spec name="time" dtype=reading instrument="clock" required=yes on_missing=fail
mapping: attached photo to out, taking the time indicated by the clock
11:28
